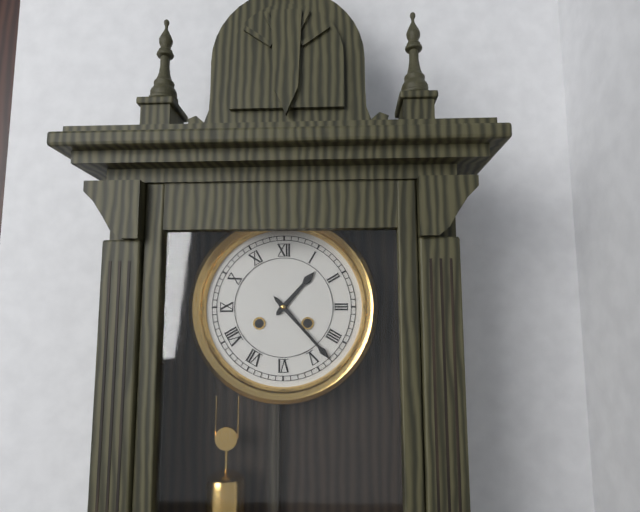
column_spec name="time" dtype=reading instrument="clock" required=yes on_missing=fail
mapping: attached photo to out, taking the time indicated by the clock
1:23
